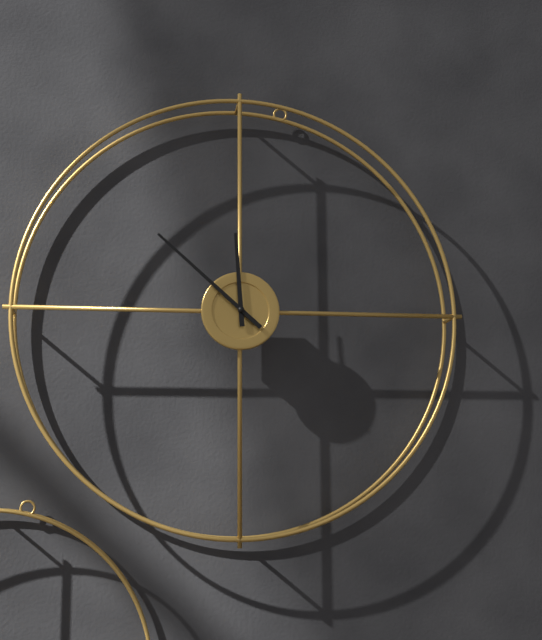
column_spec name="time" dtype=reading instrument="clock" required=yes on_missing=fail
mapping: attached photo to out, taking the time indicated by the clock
11:52
